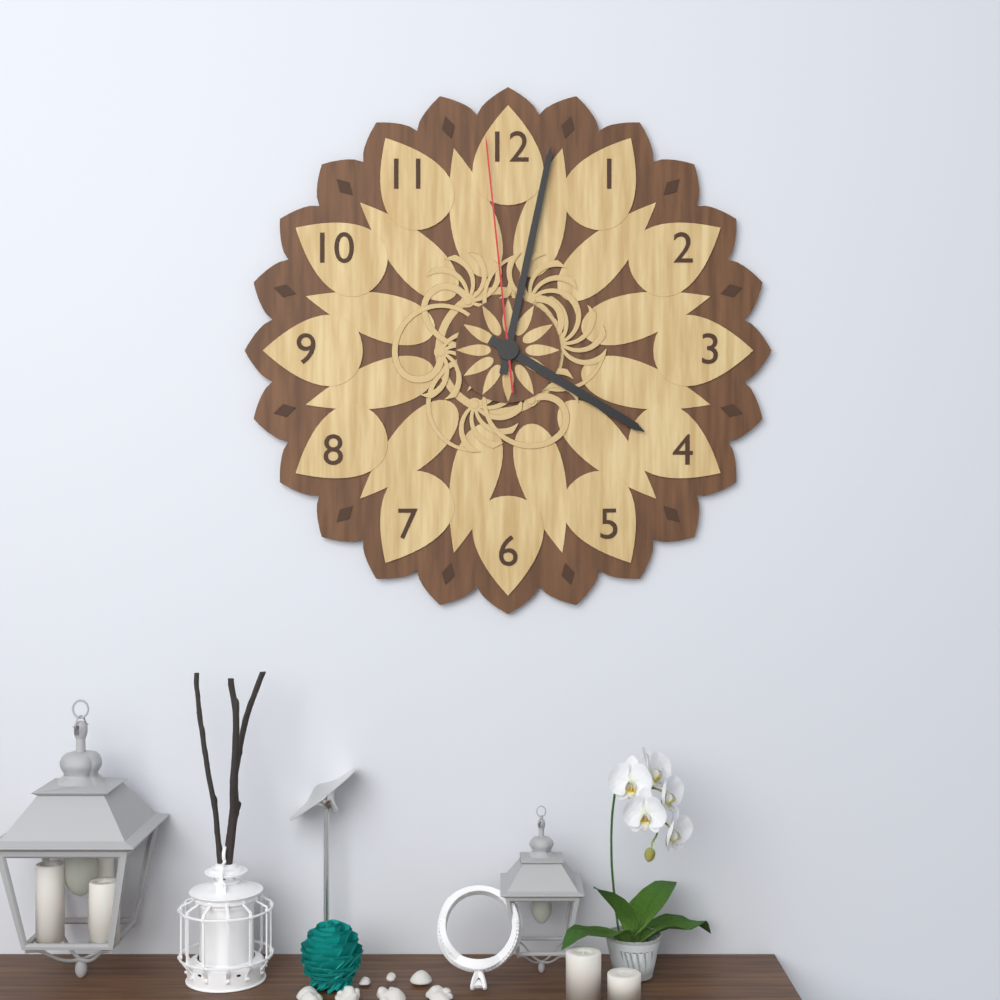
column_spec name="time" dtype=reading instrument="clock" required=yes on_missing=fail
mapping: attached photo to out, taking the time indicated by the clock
4:02:59
